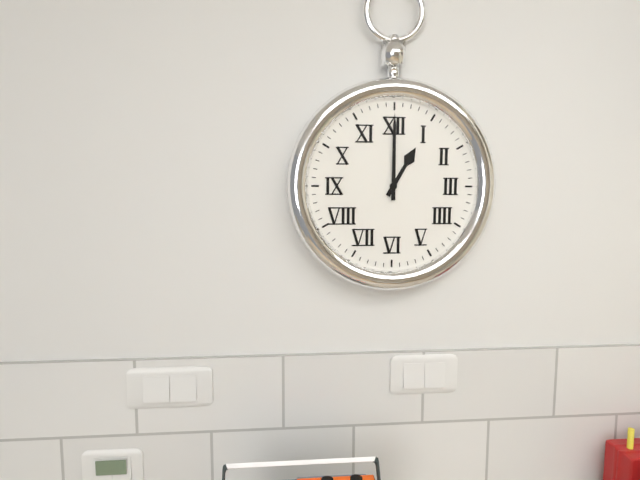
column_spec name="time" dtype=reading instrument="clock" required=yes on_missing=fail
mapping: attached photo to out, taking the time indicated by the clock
1:00
